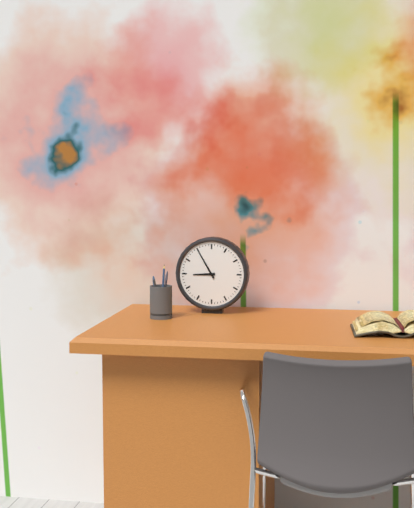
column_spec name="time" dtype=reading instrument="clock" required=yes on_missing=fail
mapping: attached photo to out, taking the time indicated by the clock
8:55
